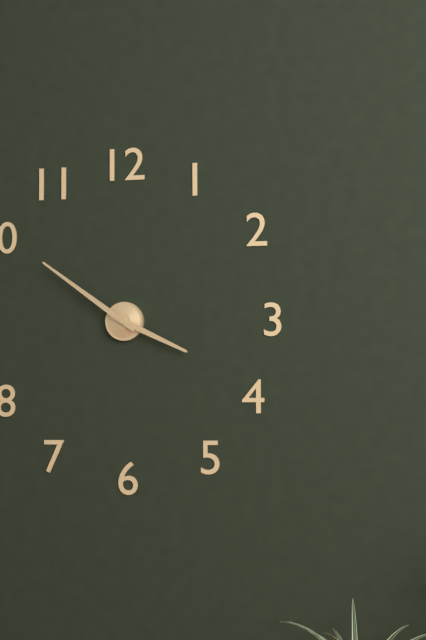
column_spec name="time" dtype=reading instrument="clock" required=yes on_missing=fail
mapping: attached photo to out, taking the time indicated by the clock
3:51
